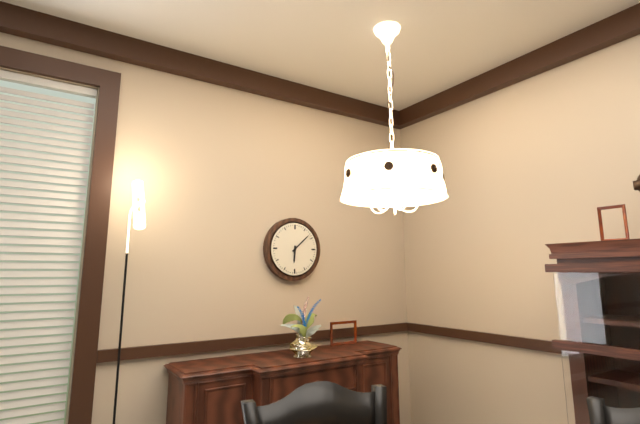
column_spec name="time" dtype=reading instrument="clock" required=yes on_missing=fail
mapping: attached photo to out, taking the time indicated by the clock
6:08
